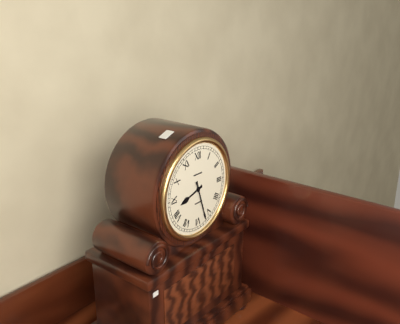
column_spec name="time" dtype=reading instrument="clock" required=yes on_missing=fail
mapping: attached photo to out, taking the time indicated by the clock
8:27
